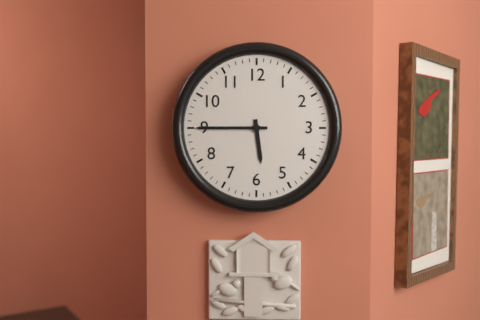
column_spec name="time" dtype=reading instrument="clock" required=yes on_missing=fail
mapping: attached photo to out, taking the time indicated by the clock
5:45
